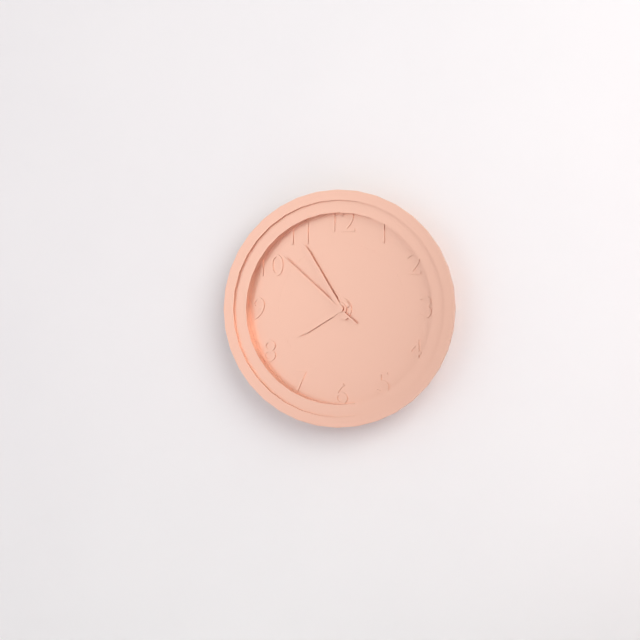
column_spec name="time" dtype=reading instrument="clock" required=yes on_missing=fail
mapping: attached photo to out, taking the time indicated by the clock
7:55:52
